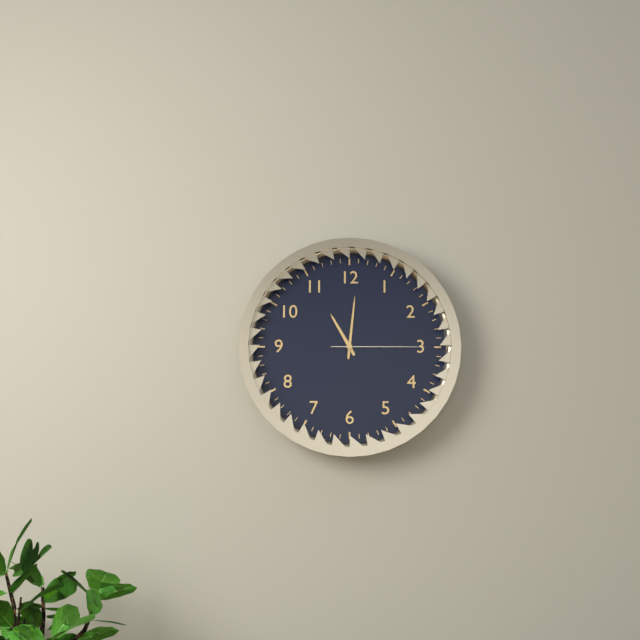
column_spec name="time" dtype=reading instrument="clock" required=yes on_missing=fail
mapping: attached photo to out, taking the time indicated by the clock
11:01:15
